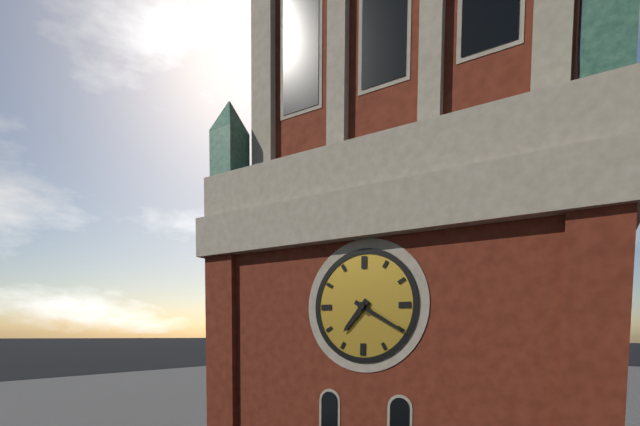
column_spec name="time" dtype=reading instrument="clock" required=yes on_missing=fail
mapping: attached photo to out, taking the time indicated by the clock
7:20
